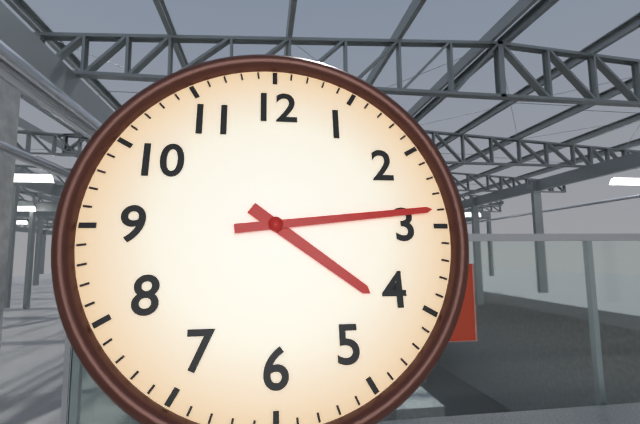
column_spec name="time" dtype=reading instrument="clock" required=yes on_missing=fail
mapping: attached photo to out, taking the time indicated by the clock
4:14
